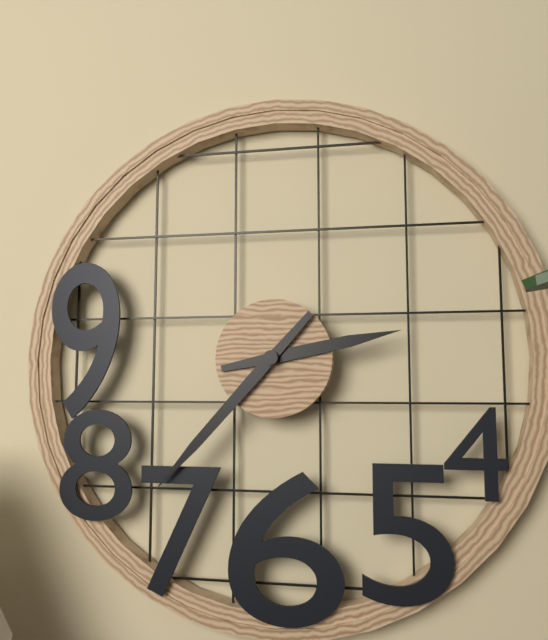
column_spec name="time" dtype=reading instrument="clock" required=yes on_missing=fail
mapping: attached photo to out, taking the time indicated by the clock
2:37
